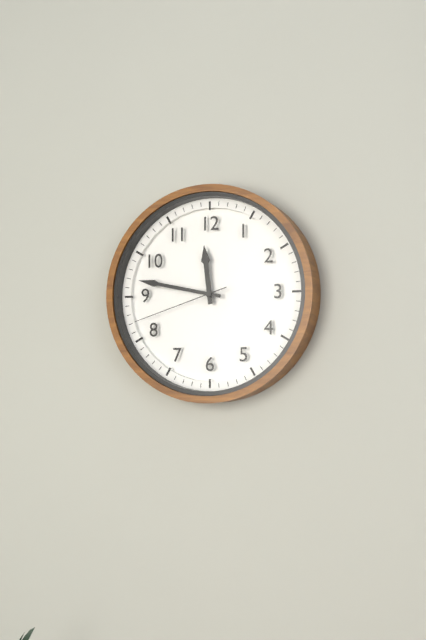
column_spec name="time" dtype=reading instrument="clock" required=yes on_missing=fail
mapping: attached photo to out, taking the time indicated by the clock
11:47:42
